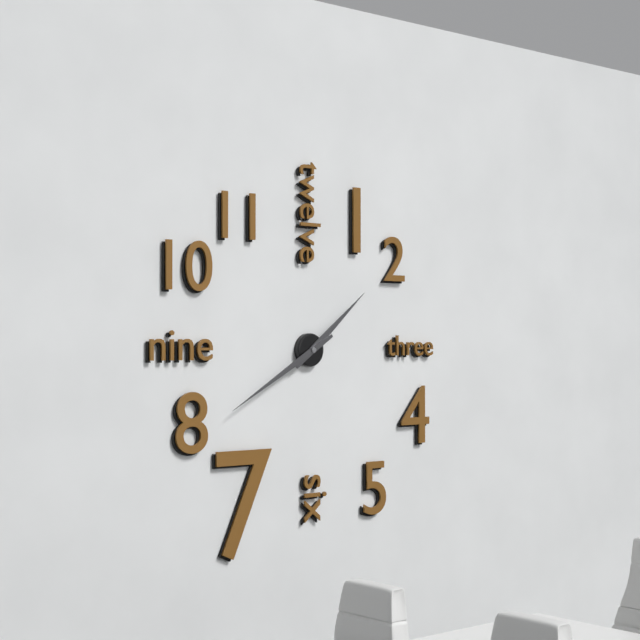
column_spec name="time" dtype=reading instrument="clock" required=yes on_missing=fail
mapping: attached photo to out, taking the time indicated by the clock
1:40
